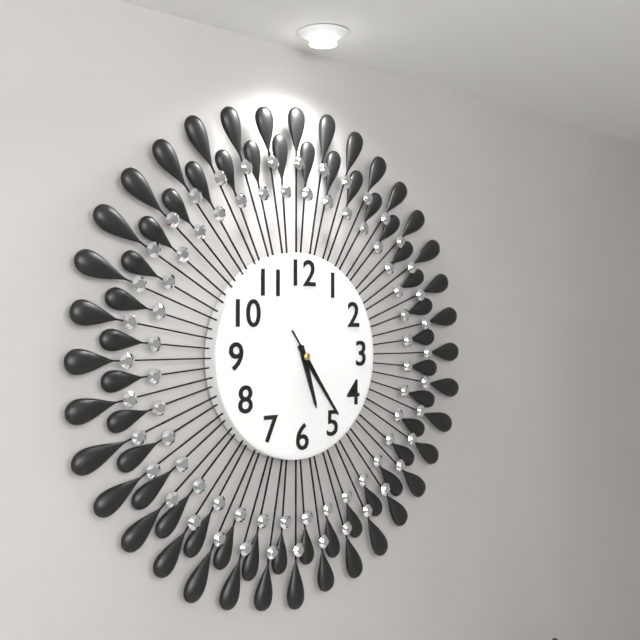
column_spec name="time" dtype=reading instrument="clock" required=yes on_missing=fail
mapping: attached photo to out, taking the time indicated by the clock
5:24:24
